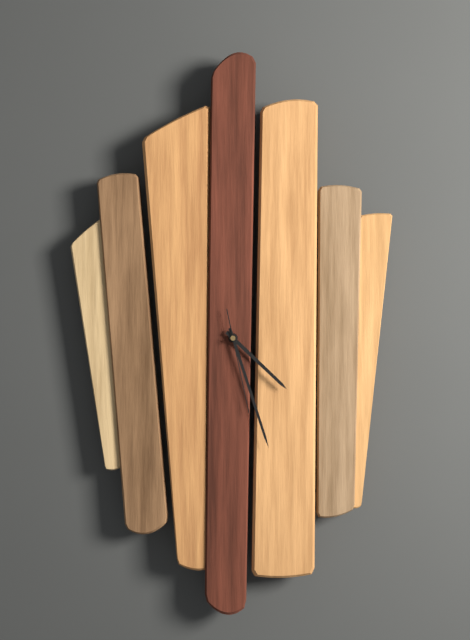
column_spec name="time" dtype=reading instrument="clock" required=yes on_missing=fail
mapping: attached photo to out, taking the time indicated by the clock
4:27:28
